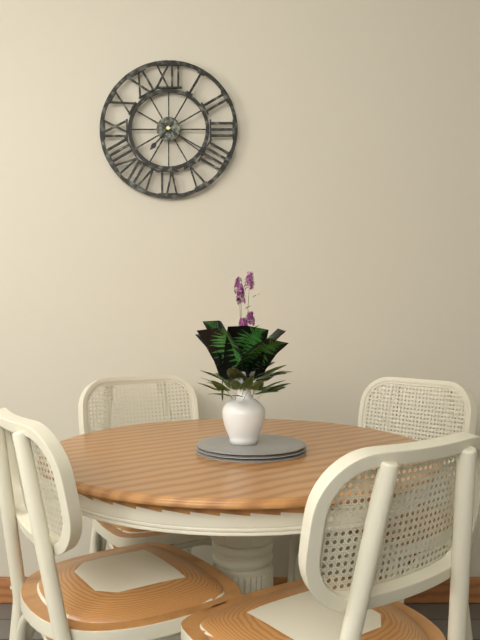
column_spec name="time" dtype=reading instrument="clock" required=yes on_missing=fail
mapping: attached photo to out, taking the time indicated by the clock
7:21
